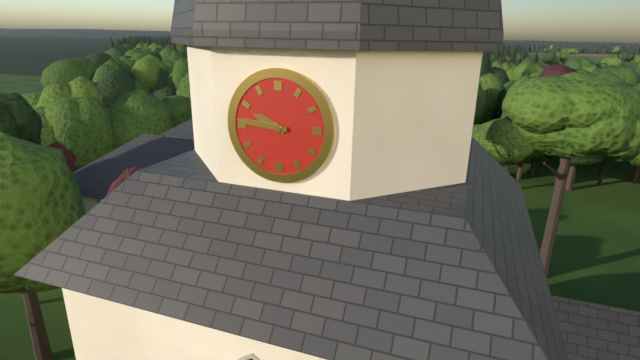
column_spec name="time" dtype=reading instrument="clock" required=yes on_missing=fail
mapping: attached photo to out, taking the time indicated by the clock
9:46
